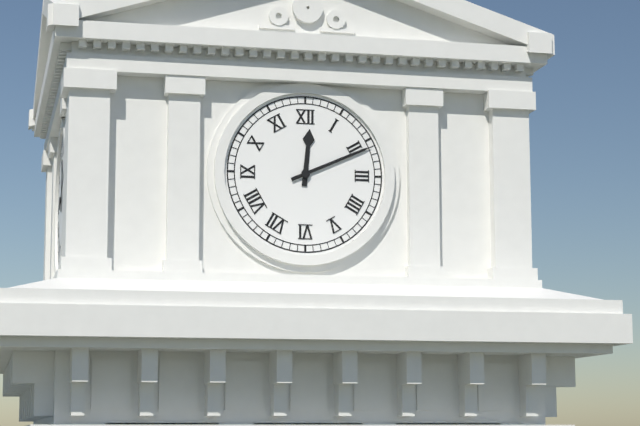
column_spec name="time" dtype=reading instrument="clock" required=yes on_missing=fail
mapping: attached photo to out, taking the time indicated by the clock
12:11
